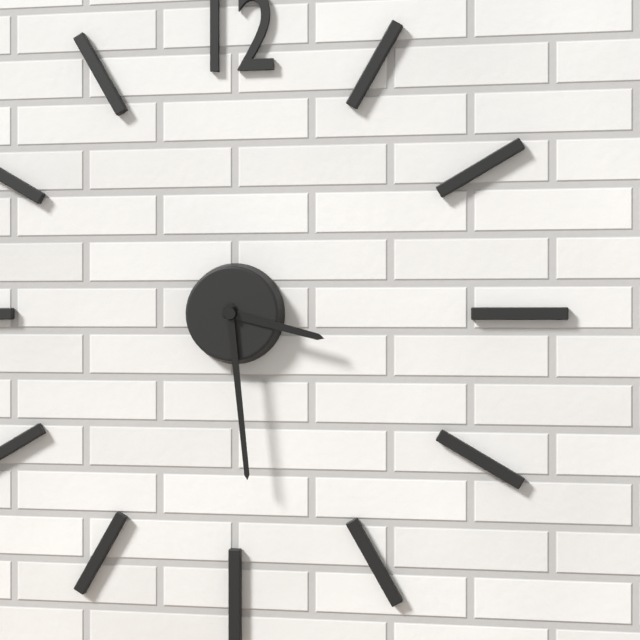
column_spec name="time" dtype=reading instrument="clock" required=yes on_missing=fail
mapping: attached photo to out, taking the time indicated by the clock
3:29
